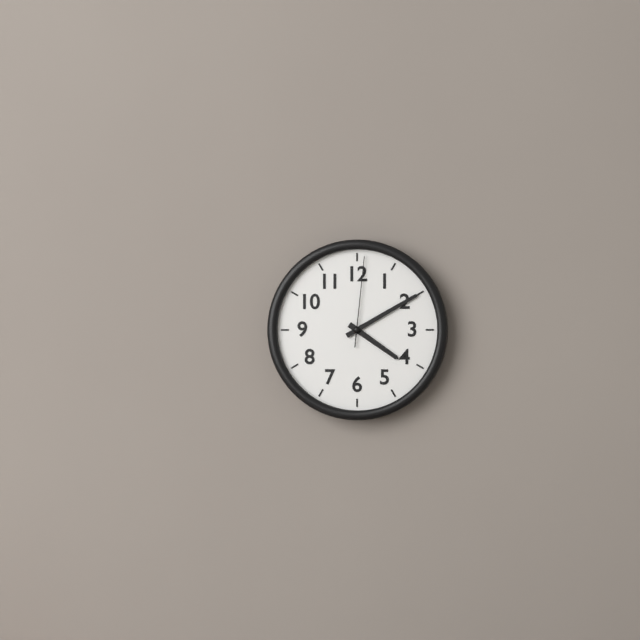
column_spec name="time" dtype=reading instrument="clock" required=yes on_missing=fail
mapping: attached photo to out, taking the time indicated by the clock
4:10:01
